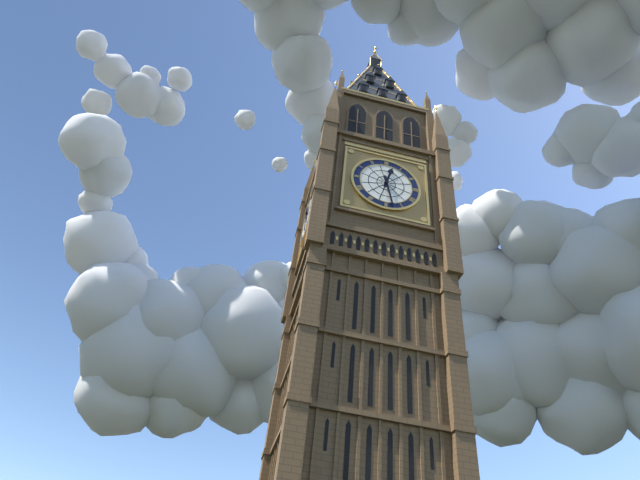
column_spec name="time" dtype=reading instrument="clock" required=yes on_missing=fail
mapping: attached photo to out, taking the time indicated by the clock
12:28
